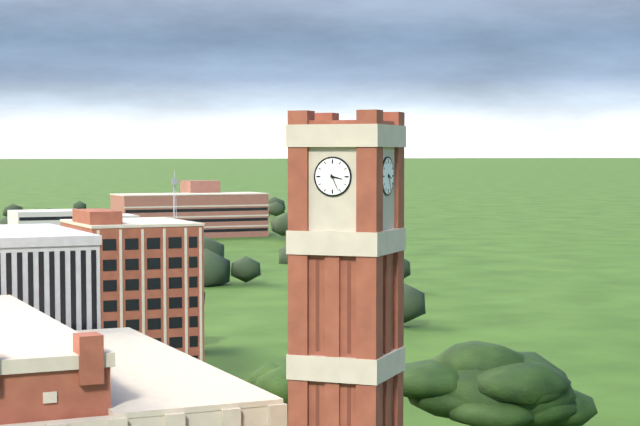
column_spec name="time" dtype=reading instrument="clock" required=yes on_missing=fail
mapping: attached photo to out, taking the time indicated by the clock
3:26
